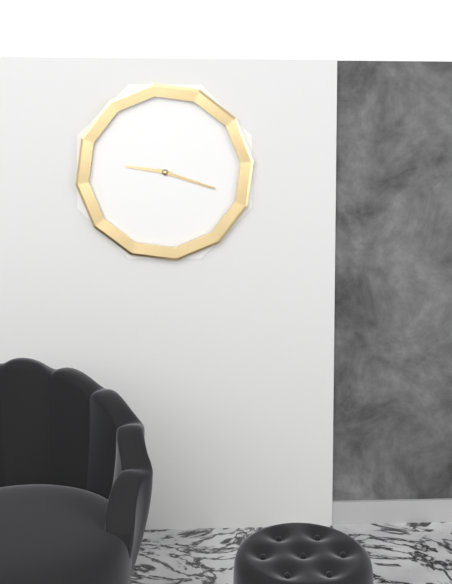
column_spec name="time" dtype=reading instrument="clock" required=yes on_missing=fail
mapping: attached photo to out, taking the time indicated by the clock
9:18
